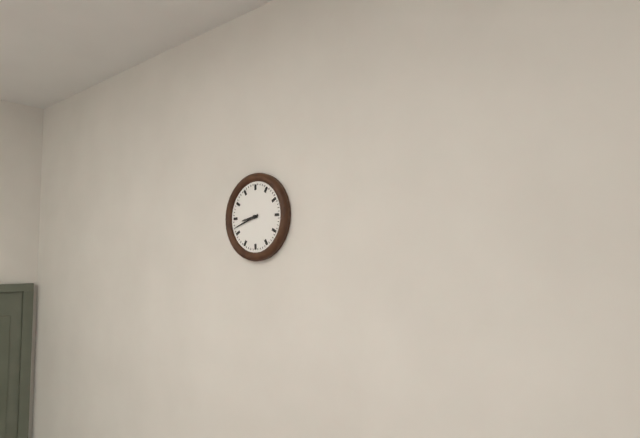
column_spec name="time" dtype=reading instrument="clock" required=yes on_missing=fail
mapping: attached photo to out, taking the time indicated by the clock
8:42
